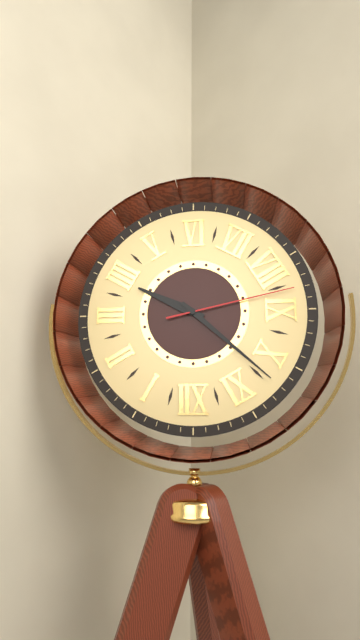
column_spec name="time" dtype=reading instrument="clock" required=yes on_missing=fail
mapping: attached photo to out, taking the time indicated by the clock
3:52:43
